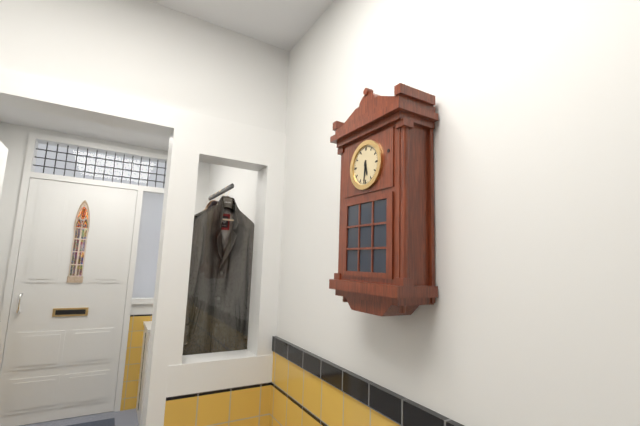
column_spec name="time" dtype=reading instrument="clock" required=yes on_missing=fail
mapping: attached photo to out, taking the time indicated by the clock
5:31
